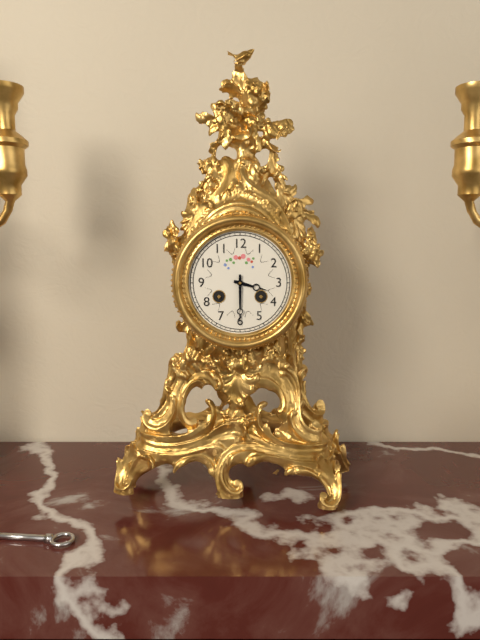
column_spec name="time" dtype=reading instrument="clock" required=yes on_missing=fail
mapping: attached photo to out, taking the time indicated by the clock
3:30
